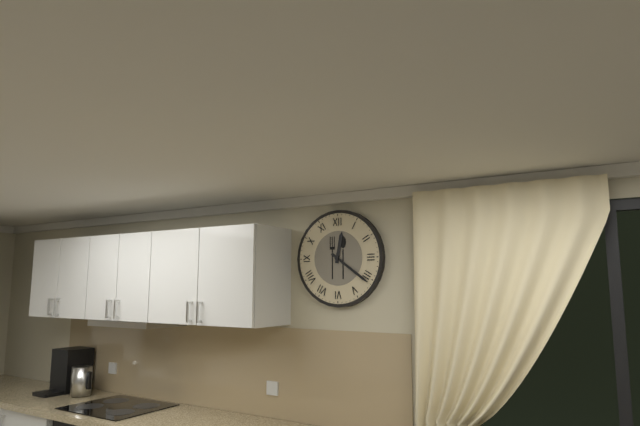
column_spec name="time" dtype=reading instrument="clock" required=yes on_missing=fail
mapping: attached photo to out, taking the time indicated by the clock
12:21
